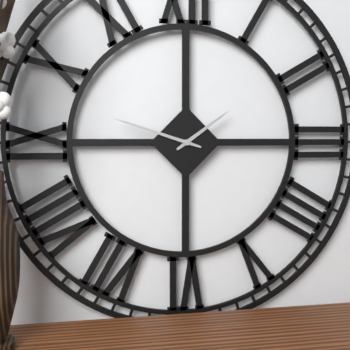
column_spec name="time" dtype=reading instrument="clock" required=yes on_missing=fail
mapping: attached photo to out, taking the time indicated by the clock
1:48
